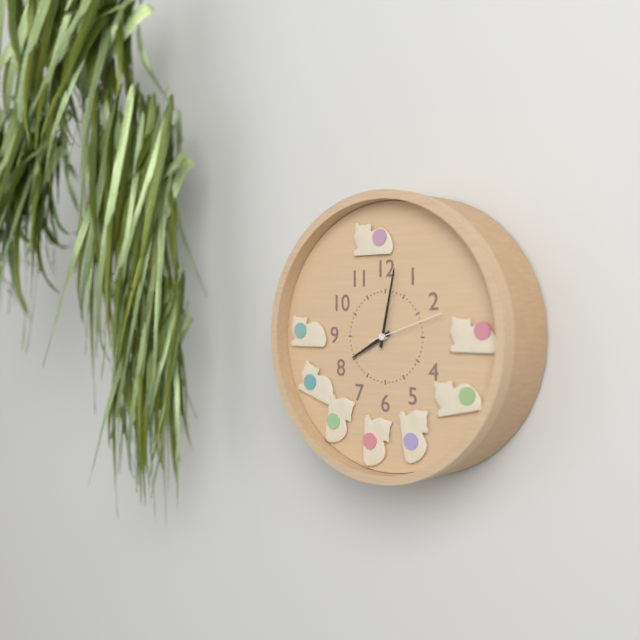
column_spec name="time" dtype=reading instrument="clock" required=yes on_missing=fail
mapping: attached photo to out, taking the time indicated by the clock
8:02
